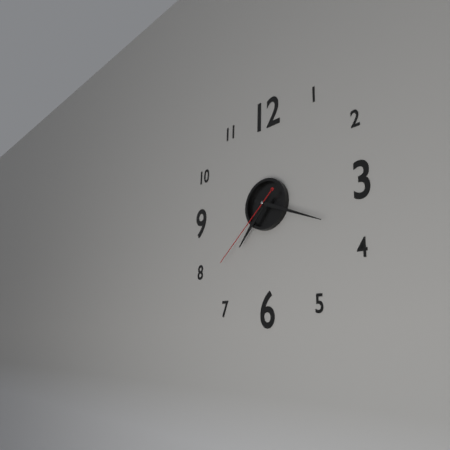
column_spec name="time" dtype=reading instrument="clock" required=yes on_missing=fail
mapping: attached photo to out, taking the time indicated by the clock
7:19:38
